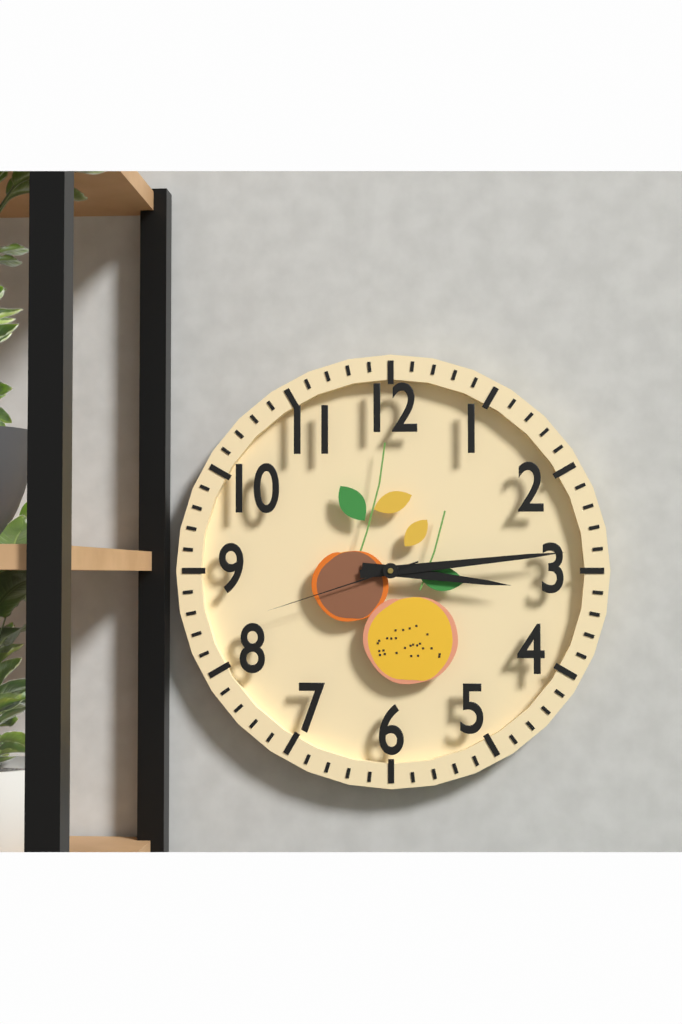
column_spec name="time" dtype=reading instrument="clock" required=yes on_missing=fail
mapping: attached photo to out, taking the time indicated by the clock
3:14:42
